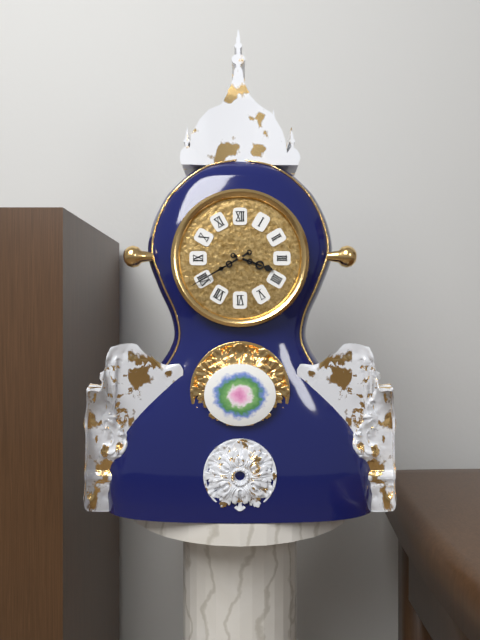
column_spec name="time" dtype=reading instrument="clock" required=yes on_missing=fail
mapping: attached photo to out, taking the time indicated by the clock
3:40
